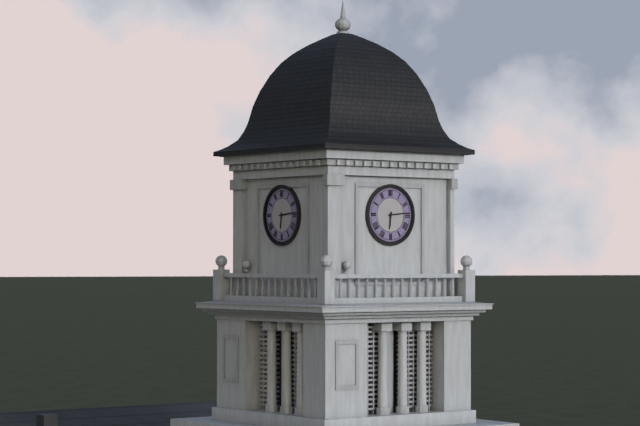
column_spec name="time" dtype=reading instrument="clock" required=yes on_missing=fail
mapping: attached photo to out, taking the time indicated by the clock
6:14
